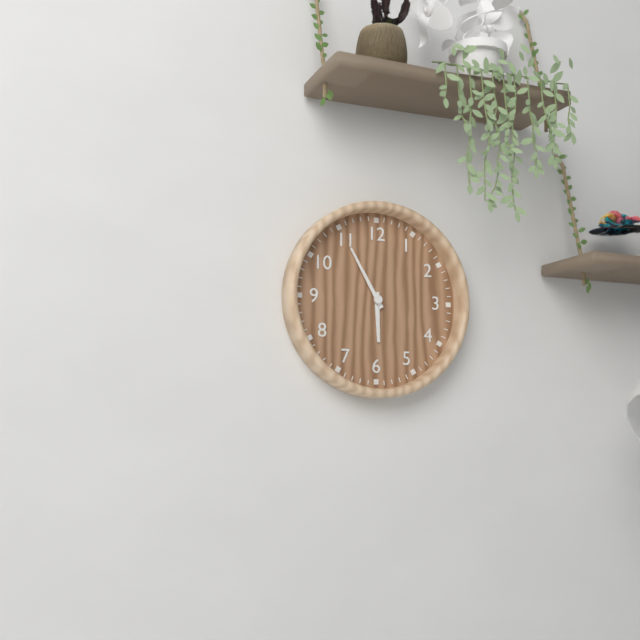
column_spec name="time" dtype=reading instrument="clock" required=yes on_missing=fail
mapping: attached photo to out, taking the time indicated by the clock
5:55
